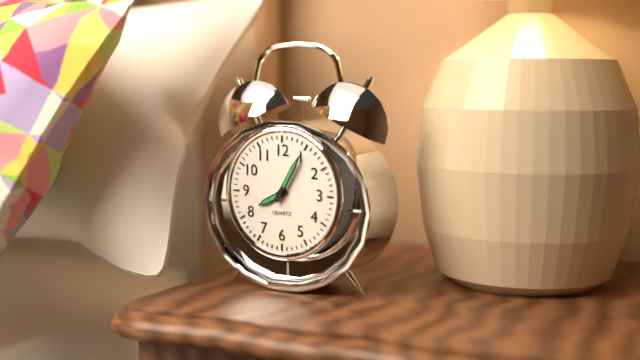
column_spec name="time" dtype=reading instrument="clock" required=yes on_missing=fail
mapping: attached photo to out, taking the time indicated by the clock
8:05
